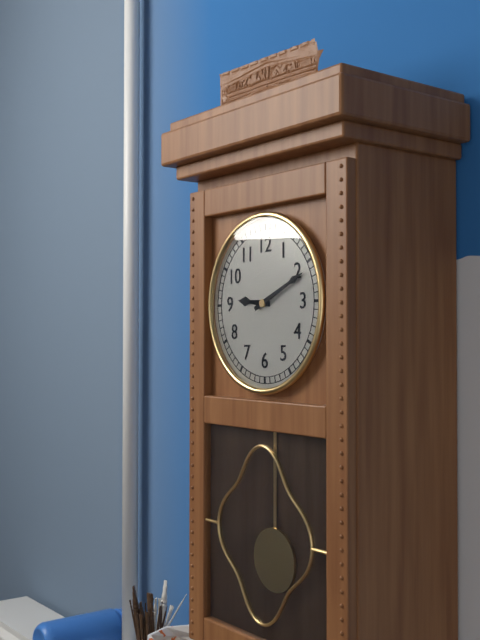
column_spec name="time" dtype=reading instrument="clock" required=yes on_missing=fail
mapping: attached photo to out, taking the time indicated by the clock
9:11
